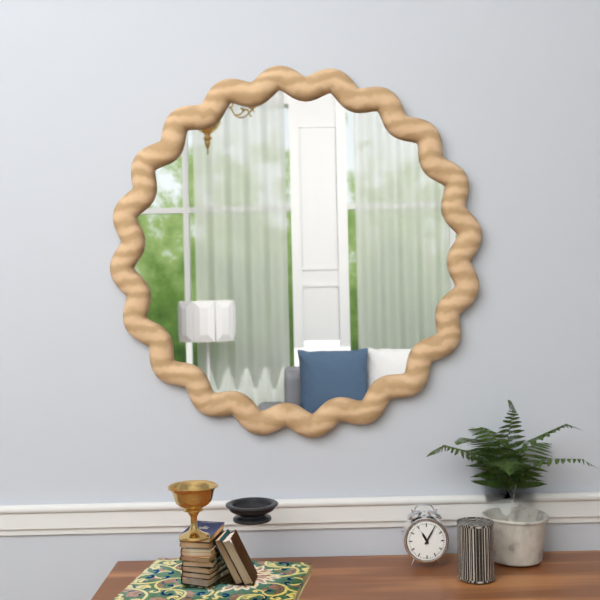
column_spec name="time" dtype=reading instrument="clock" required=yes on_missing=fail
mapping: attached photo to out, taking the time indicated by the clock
11:05
